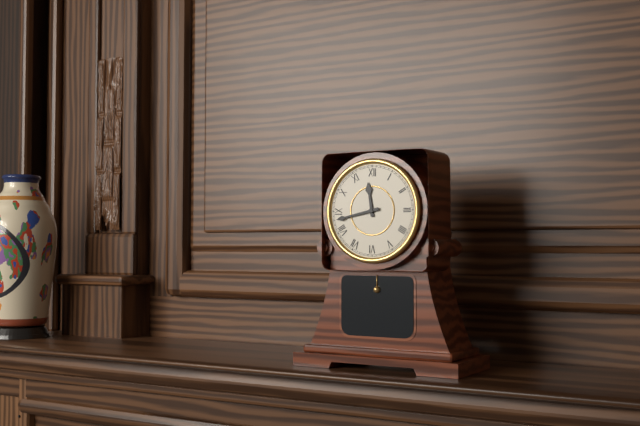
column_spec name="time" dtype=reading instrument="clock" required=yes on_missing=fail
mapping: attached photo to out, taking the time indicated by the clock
11:43
